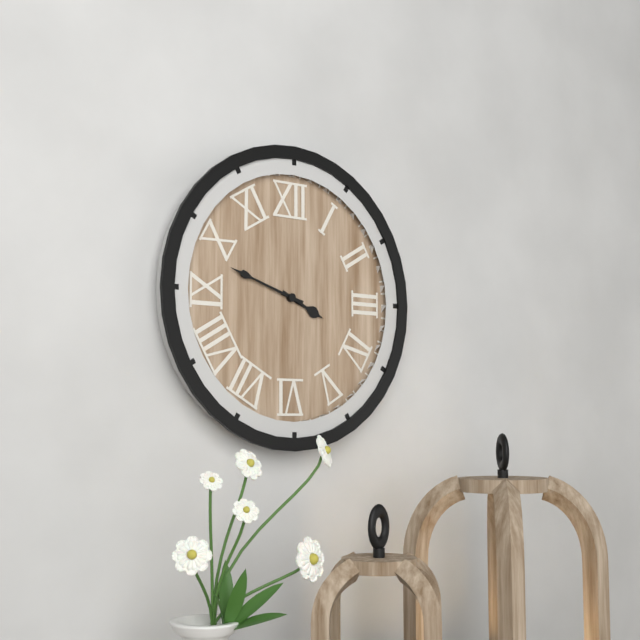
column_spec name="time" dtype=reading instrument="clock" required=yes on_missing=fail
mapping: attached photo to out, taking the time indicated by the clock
3:48
